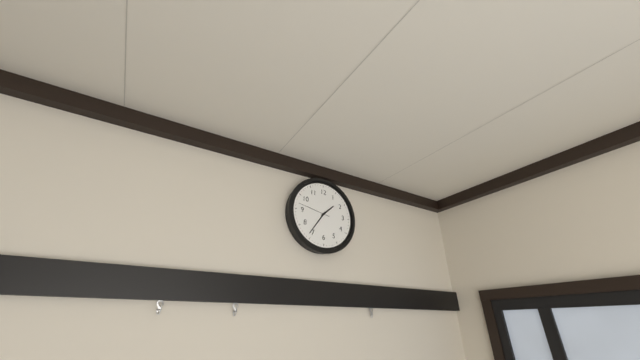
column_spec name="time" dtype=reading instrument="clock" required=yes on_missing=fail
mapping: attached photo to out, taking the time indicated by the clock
1:36
